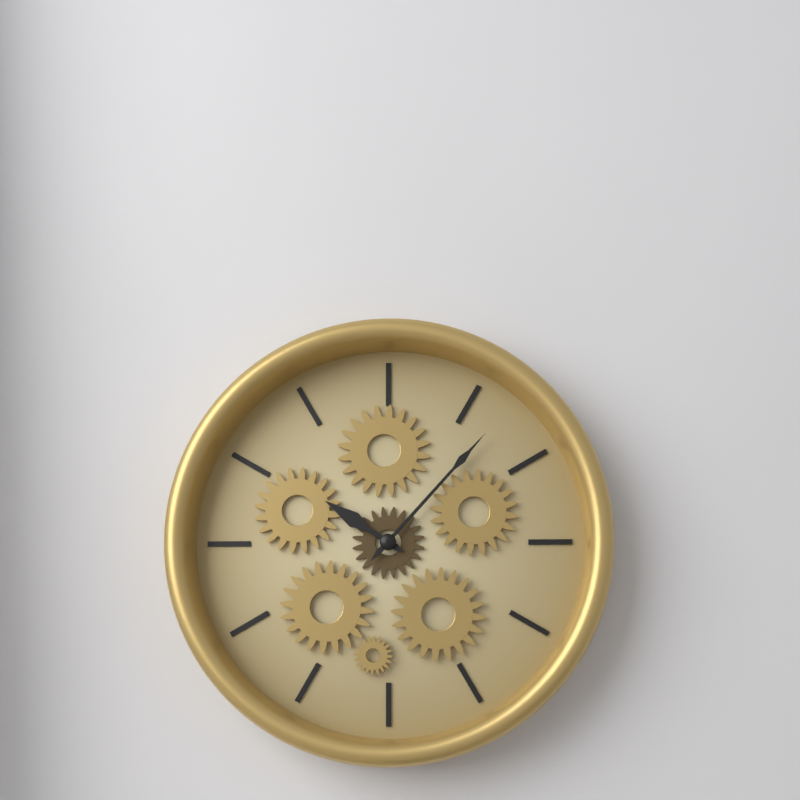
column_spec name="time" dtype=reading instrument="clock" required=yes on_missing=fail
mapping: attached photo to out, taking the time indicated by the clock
10:07
